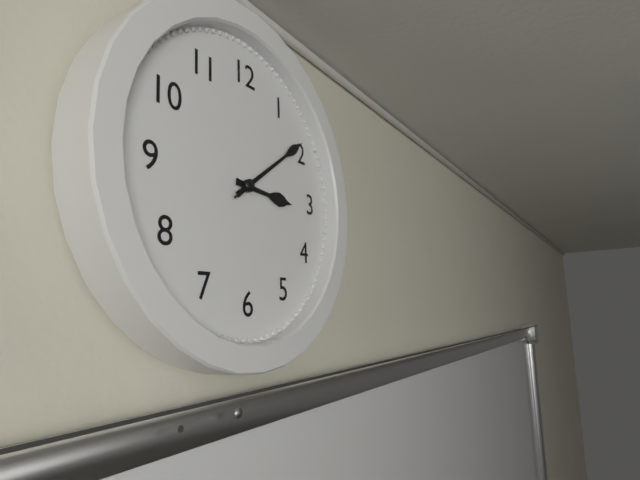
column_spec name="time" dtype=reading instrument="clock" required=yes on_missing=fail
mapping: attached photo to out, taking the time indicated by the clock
3:09:09
